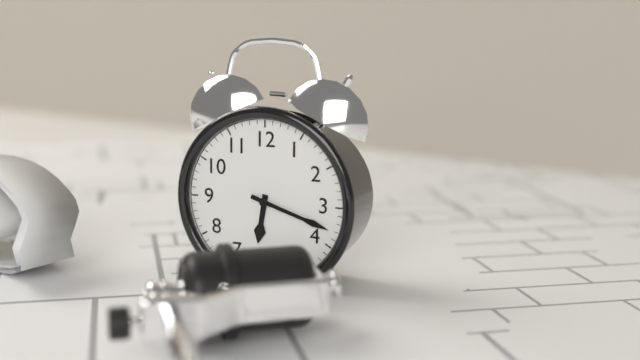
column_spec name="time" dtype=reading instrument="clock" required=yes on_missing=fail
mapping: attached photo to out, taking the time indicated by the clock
6:18
